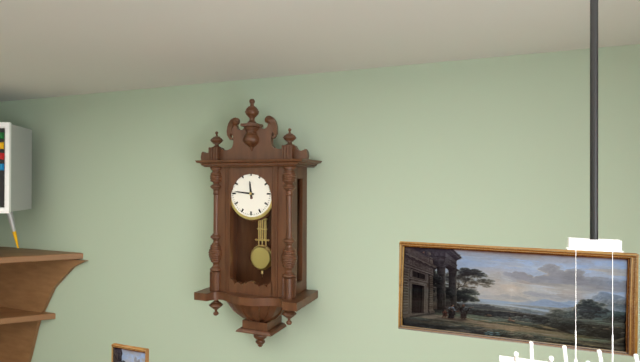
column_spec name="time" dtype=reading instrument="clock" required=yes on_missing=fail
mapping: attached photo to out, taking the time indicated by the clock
11:46
